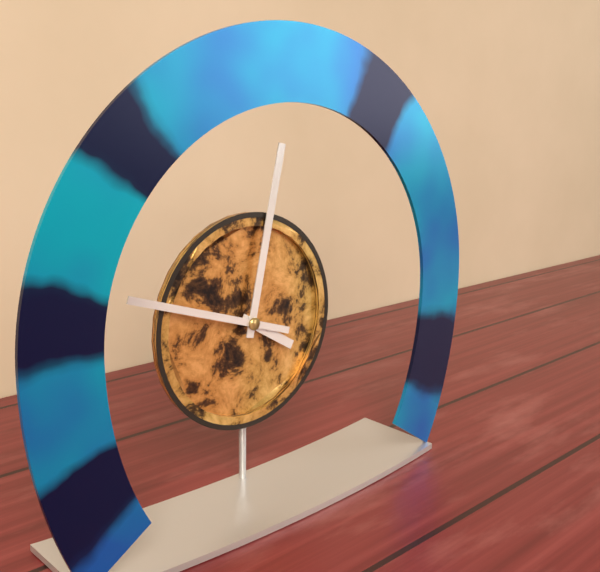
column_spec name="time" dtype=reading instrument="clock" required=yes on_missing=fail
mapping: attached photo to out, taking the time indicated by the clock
4:02:48
